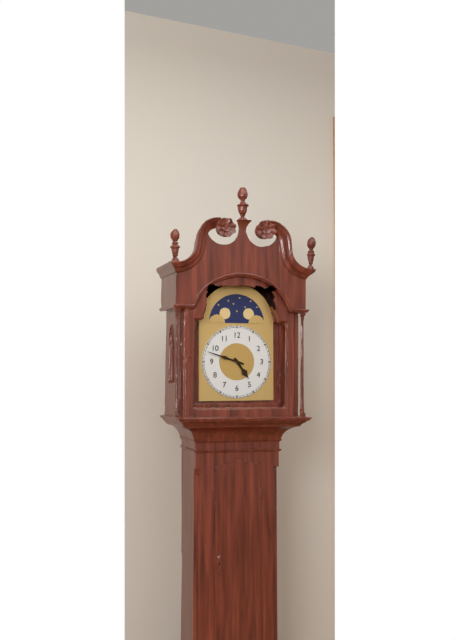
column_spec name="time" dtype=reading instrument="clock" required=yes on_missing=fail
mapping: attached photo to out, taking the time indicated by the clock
4:48
